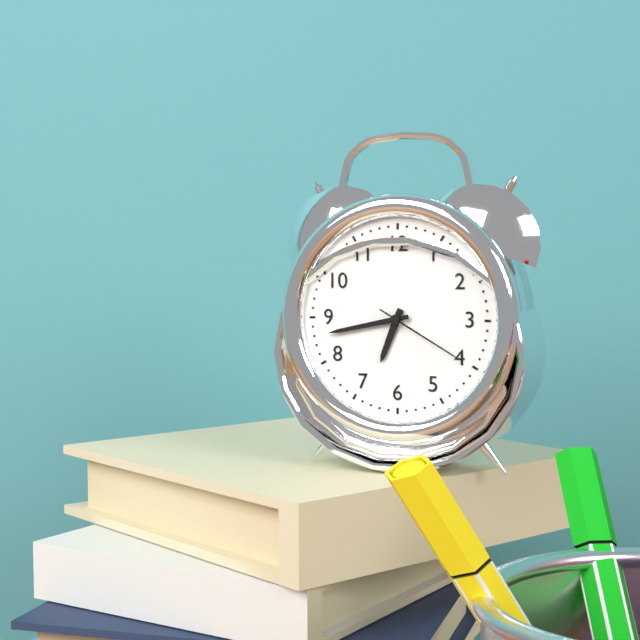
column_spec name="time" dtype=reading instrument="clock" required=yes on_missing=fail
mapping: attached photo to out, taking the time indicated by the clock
6:43:20
